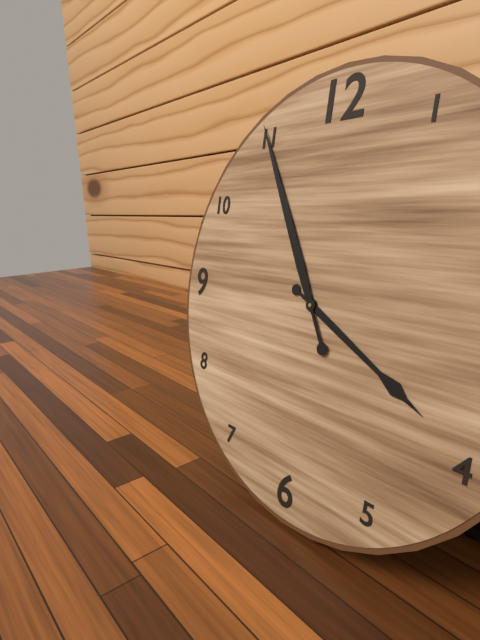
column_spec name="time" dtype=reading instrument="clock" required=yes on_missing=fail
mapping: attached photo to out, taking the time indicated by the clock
3:55
